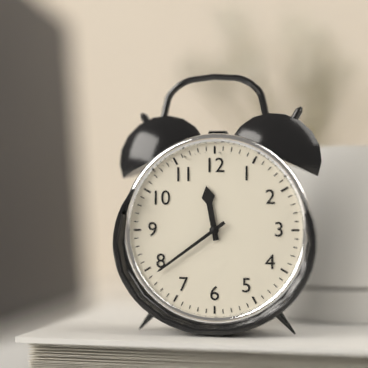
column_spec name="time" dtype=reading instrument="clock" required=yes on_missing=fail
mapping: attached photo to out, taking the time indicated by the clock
11:39
